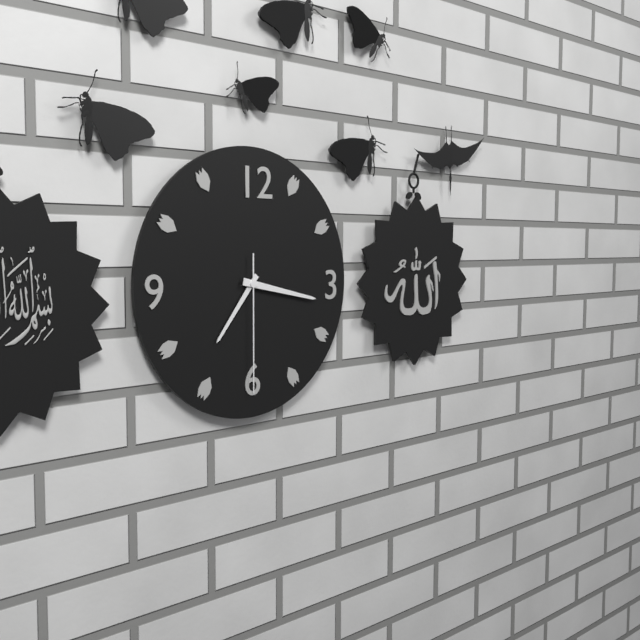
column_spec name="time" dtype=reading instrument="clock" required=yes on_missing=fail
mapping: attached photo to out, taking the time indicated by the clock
7:17:30
